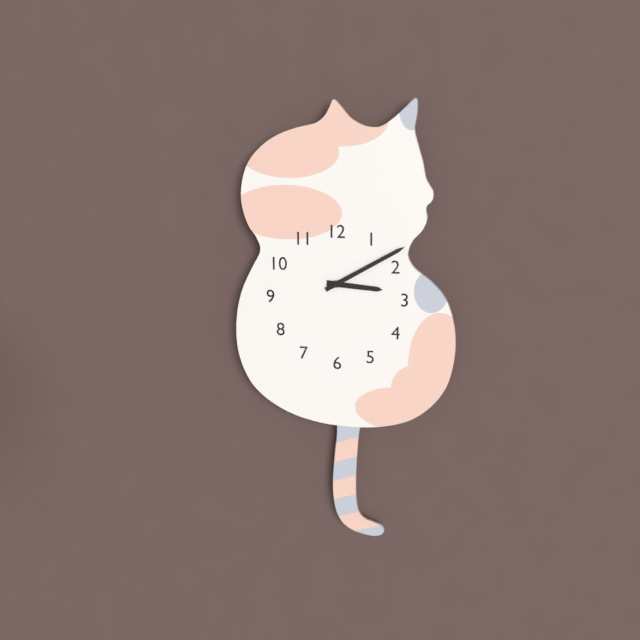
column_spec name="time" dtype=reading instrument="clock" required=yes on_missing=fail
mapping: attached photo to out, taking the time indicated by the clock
3:10
